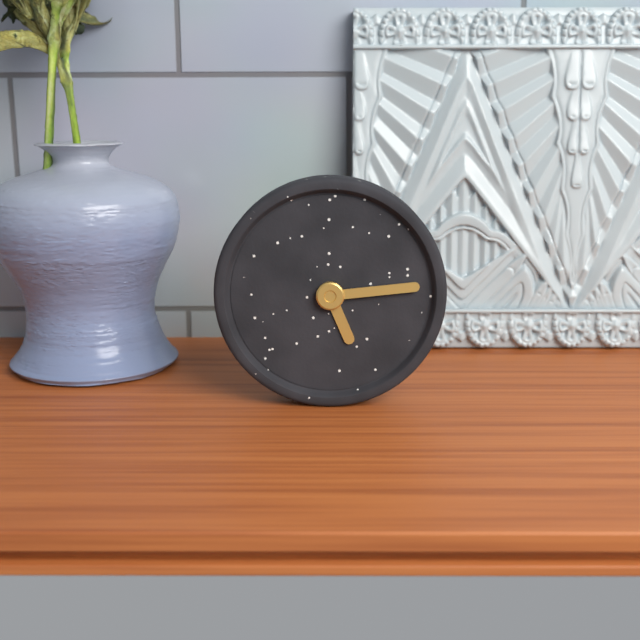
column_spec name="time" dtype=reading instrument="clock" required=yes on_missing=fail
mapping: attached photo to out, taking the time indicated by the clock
5:14
